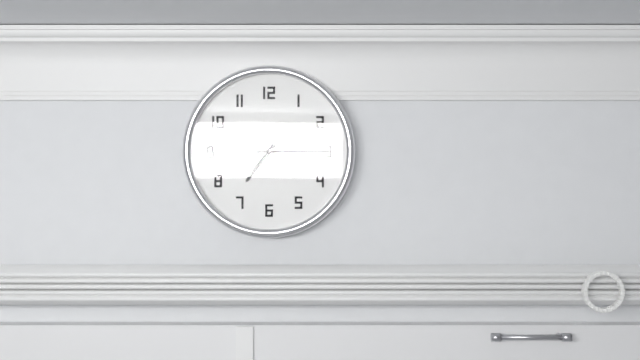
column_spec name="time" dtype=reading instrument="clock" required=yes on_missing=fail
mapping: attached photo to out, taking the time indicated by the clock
7:15
